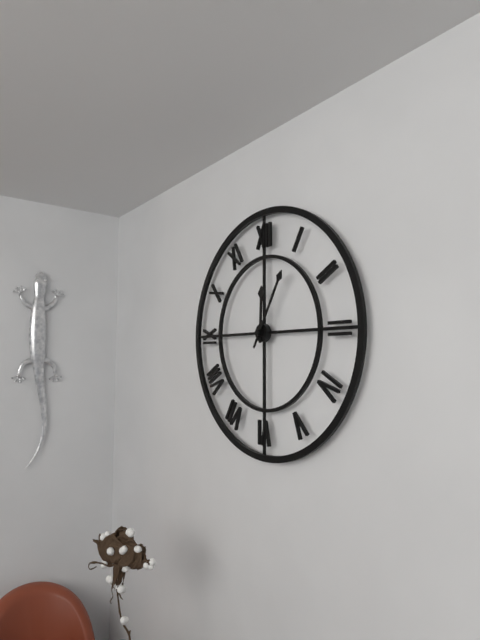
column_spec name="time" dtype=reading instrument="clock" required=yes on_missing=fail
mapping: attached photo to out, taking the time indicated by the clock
12:05
